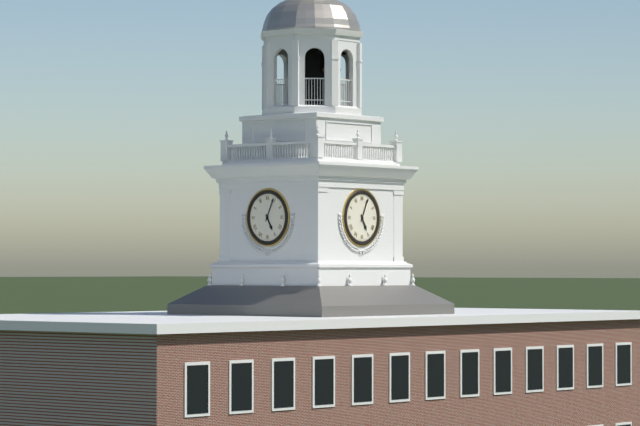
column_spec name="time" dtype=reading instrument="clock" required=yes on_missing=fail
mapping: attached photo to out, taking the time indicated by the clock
5:04
